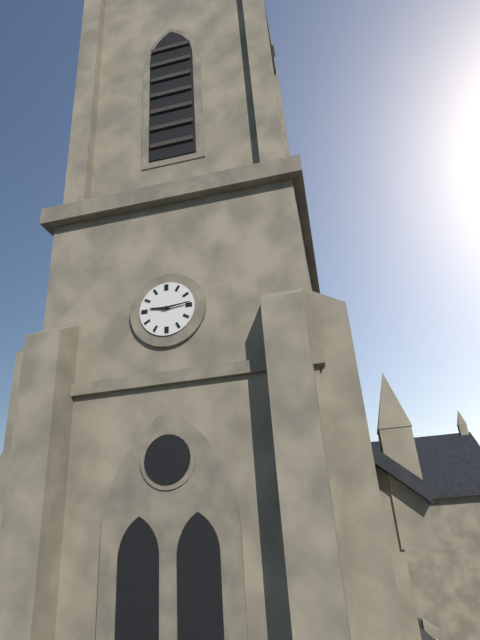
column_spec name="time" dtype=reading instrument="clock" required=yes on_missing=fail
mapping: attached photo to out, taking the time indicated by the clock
9:14
